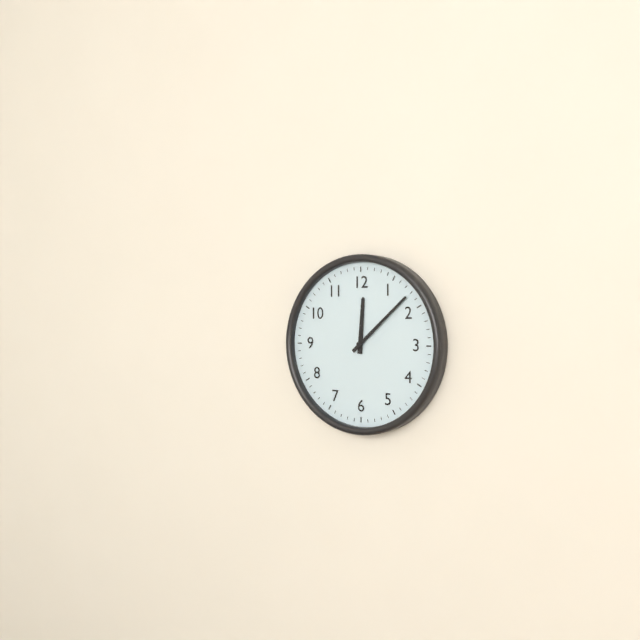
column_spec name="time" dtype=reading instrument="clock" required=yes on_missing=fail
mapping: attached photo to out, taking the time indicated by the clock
12:08
